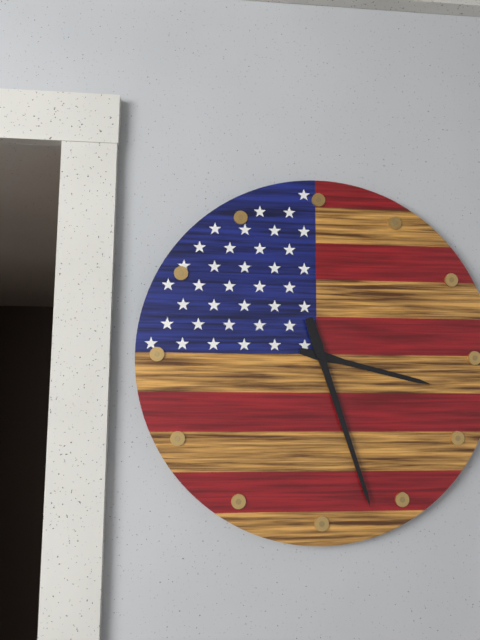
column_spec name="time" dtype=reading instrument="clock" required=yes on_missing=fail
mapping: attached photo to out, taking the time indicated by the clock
3:27
